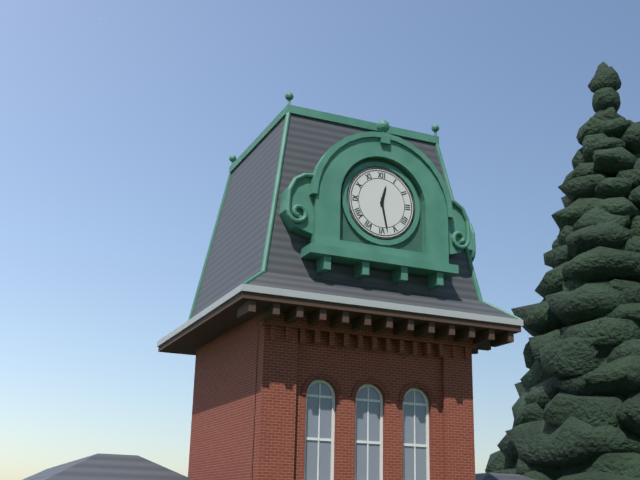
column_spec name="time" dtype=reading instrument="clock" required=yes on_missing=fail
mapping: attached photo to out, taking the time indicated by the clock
12:28
